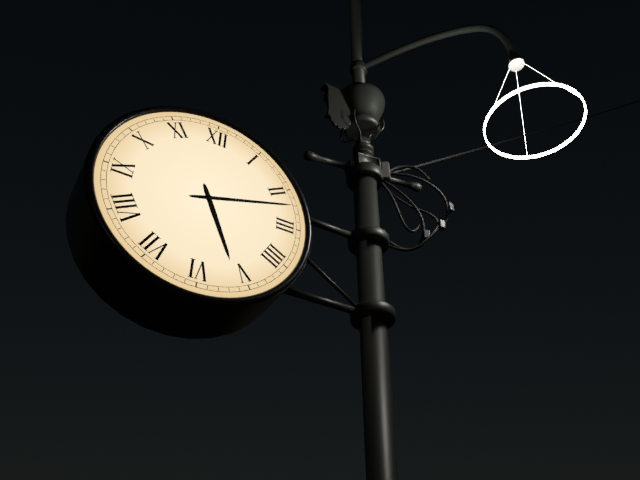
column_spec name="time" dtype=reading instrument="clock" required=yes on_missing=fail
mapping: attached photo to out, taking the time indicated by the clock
5:12
